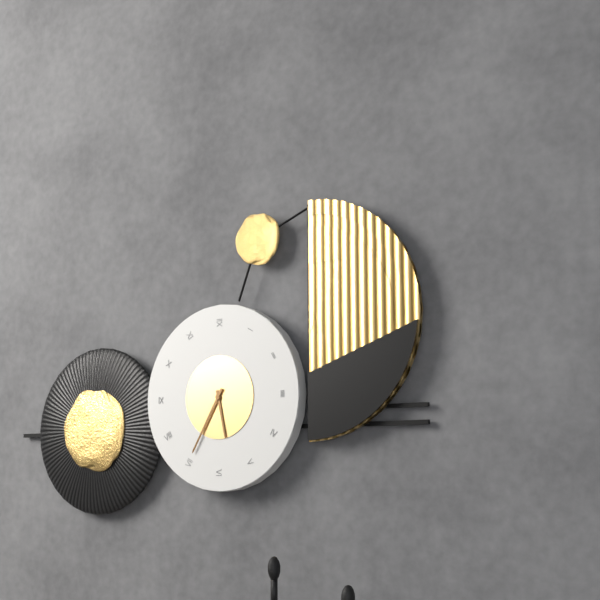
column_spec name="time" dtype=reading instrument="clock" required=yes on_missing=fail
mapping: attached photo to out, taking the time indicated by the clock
5:35
